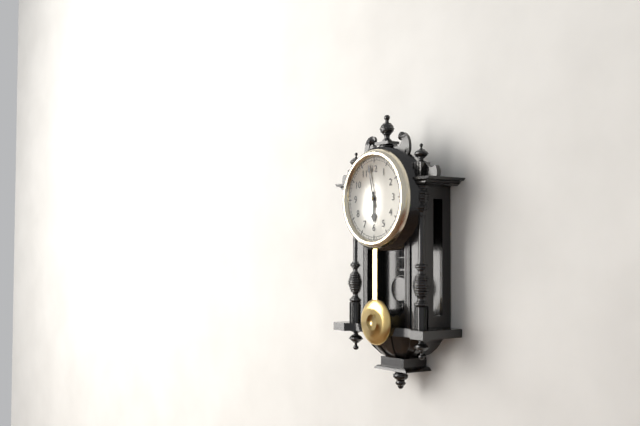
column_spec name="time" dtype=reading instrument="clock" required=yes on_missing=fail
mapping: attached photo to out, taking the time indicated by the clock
5:58
